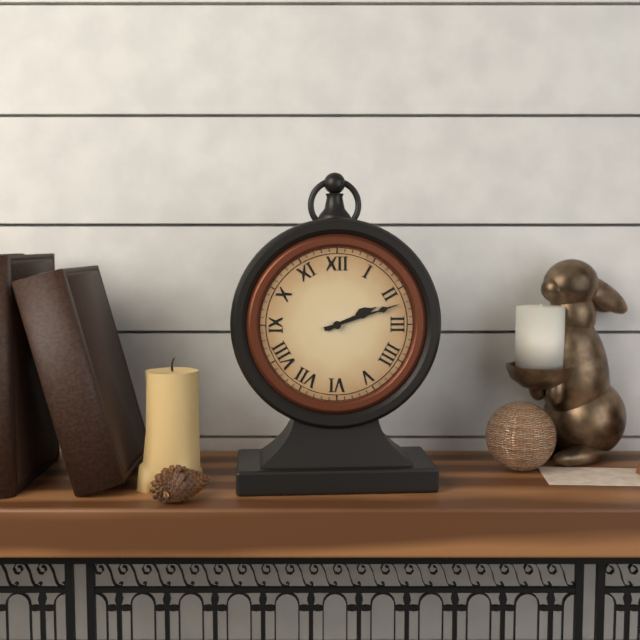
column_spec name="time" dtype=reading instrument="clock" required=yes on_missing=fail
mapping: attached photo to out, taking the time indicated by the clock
2:12
